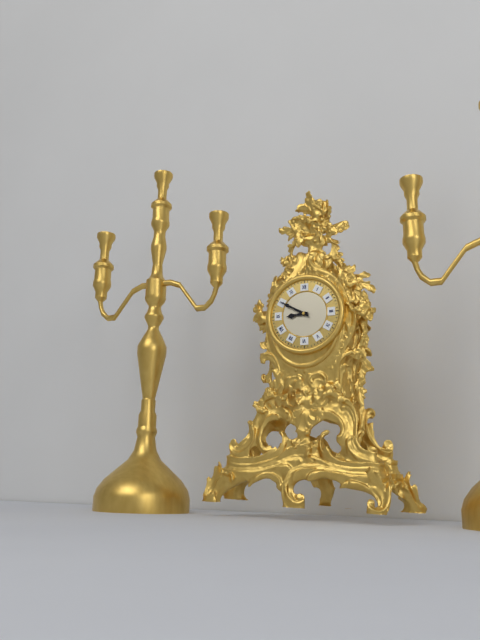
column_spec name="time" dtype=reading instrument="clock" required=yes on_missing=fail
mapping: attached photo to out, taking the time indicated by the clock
8:50
